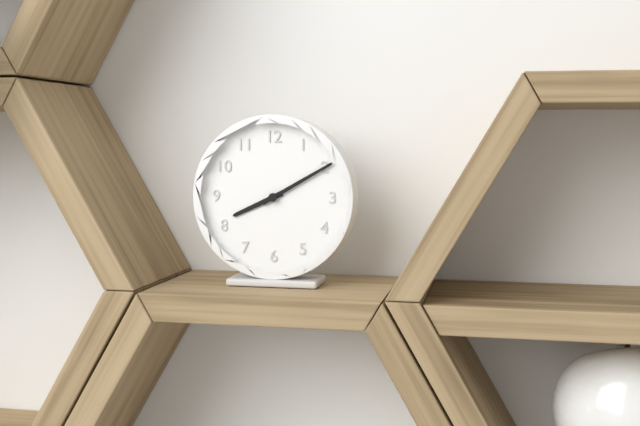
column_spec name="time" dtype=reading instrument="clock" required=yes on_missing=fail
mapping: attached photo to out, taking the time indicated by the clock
8:10
